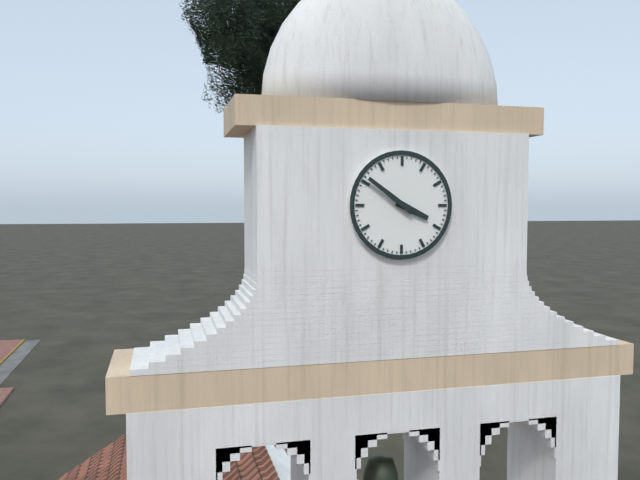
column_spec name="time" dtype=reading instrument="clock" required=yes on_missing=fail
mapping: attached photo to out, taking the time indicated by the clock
3:51
